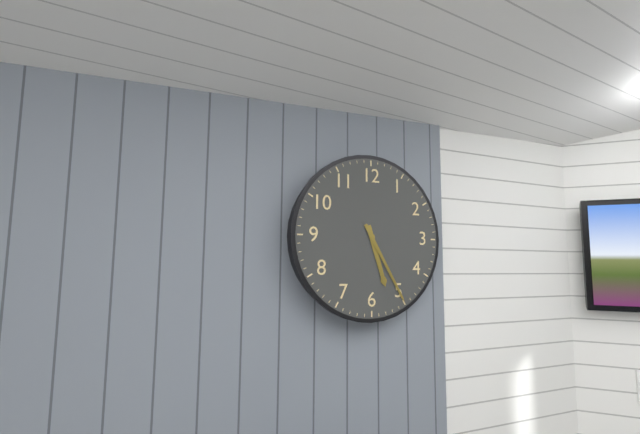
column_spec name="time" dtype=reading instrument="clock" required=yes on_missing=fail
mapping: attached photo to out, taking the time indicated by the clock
5:25
